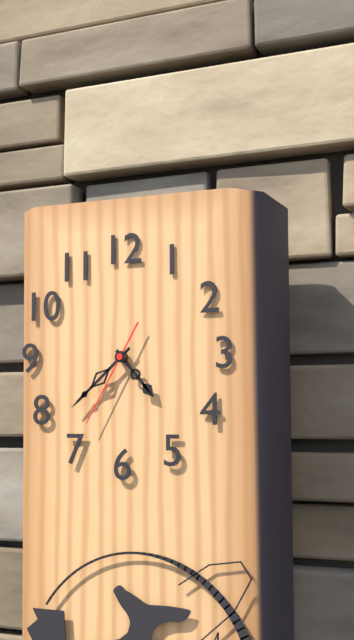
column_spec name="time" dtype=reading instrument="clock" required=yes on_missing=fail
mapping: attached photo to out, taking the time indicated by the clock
4:38:35
